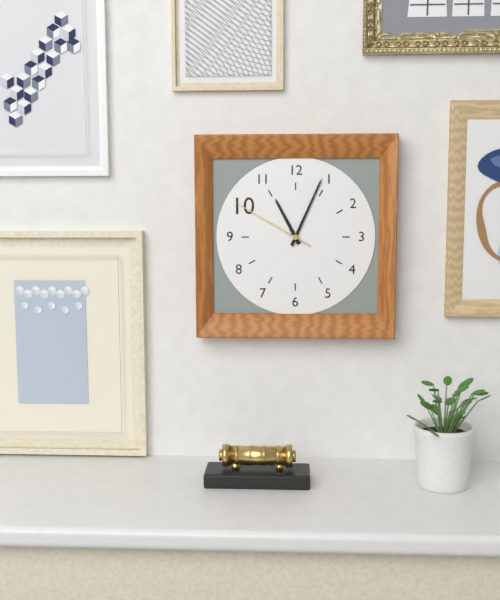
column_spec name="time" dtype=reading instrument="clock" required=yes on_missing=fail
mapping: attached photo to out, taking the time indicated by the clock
11:04:50
